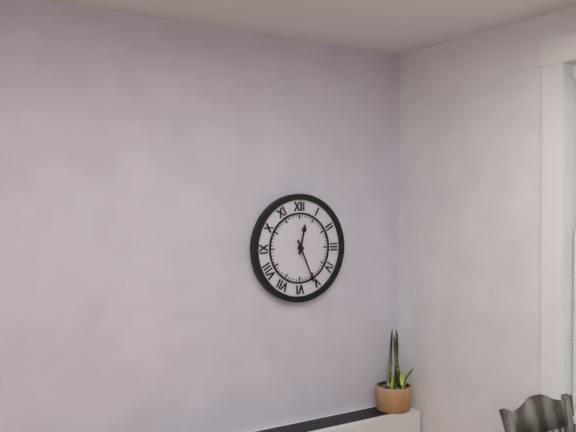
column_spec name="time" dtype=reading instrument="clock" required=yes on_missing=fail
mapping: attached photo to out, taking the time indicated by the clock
12:26
